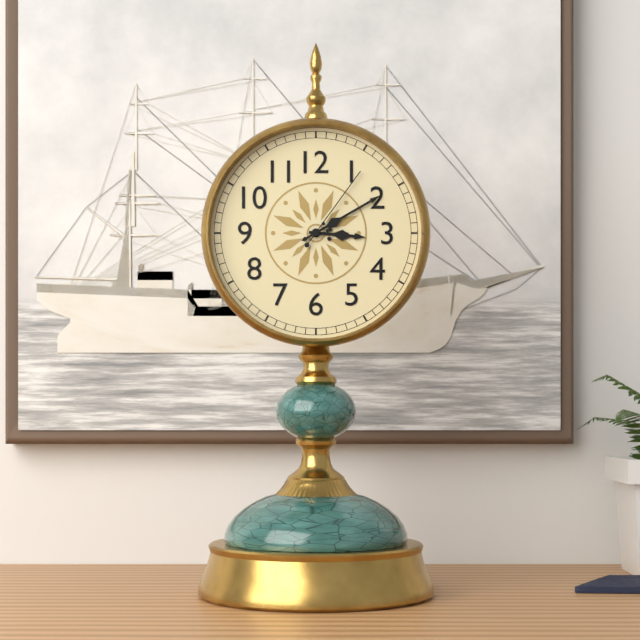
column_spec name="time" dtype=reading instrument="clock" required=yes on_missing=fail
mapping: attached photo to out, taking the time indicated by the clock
3:10:06
